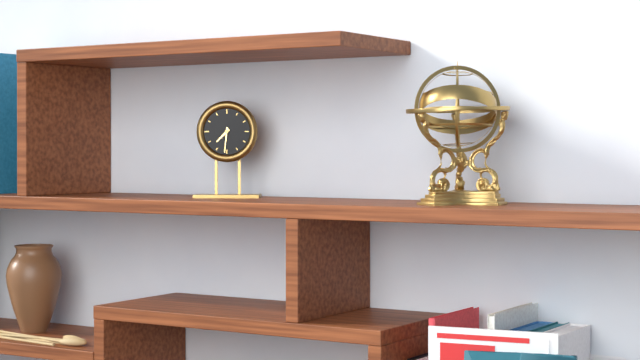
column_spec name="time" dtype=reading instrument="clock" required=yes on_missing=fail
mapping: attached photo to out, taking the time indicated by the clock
7:31
